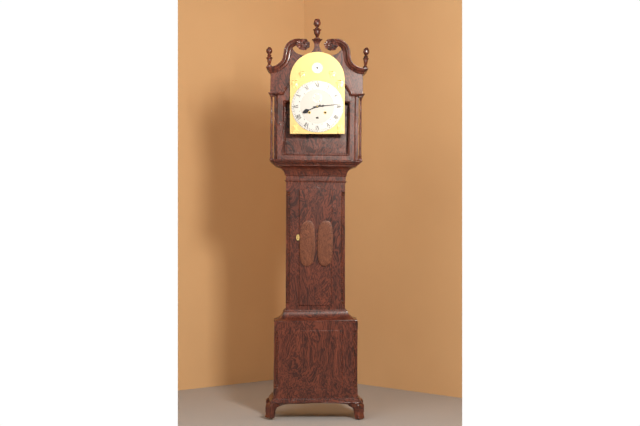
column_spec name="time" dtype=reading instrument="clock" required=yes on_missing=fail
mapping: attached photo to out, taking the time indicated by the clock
8:14
